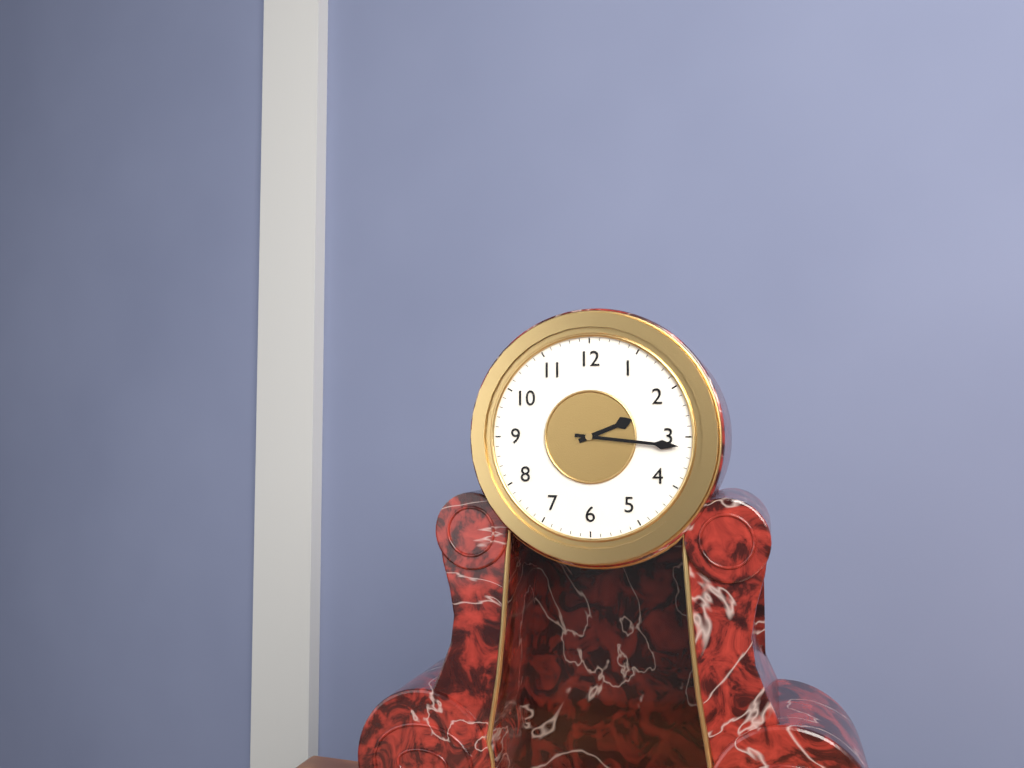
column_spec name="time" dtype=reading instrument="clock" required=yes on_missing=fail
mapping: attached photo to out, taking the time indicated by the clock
2:16
